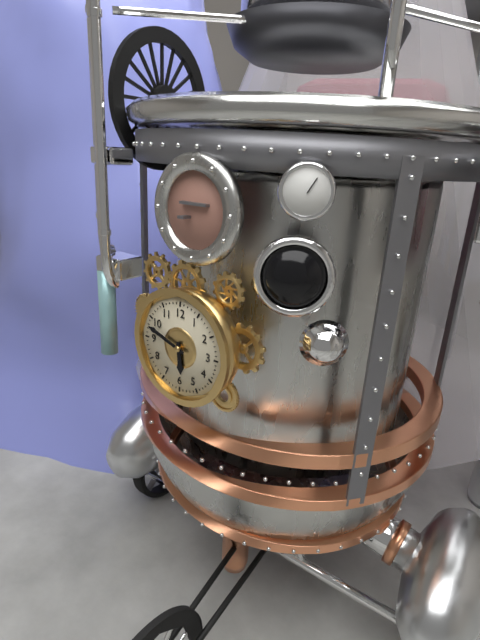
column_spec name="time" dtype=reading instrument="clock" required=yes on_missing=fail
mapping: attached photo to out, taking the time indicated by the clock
5:48
